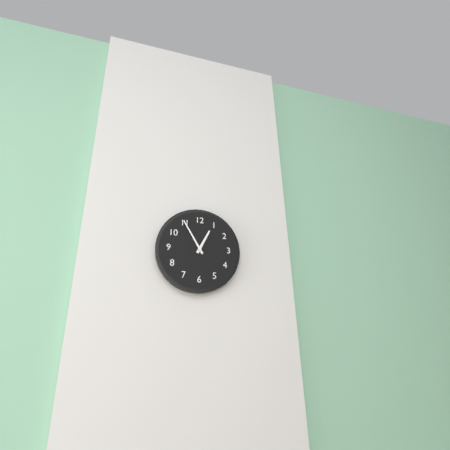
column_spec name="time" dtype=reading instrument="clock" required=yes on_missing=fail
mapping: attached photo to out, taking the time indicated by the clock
12:55
